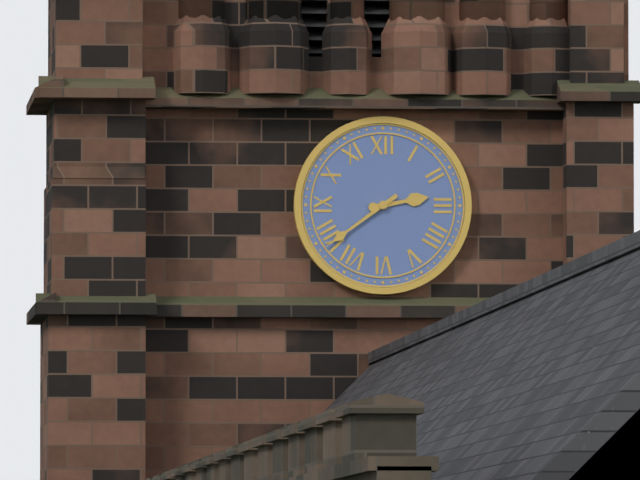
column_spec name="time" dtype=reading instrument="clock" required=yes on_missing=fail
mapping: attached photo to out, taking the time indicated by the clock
2:39
